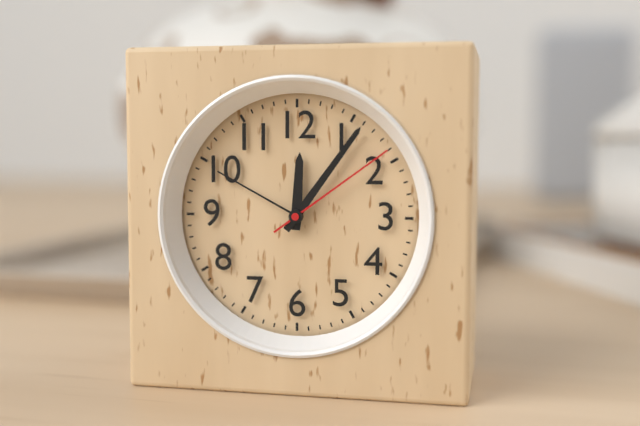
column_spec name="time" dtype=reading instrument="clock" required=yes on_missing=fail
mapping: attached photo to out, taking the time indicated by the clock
12:06:09
